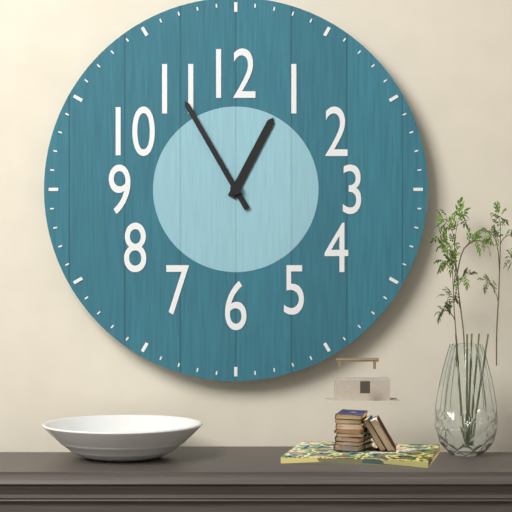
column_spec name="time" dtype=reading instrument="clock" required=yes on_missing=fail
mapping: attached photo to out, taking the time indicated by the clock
12:55
